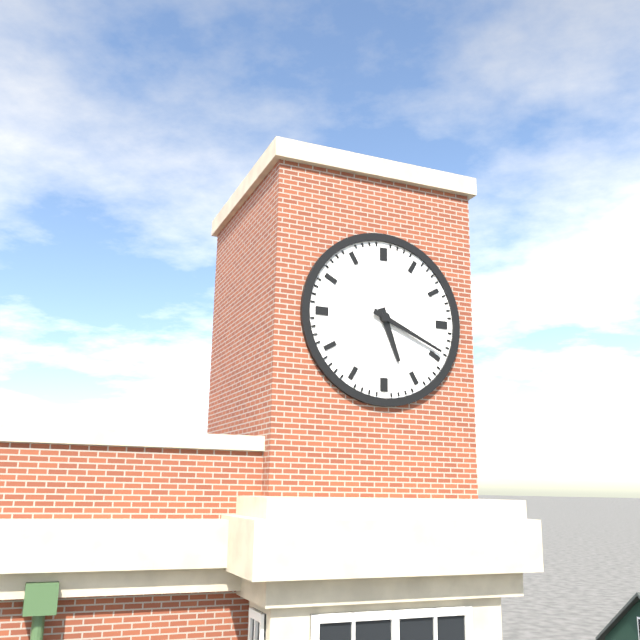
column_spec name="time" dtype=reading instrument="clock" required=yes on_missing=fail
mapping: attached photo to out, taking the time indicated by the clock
5:19
